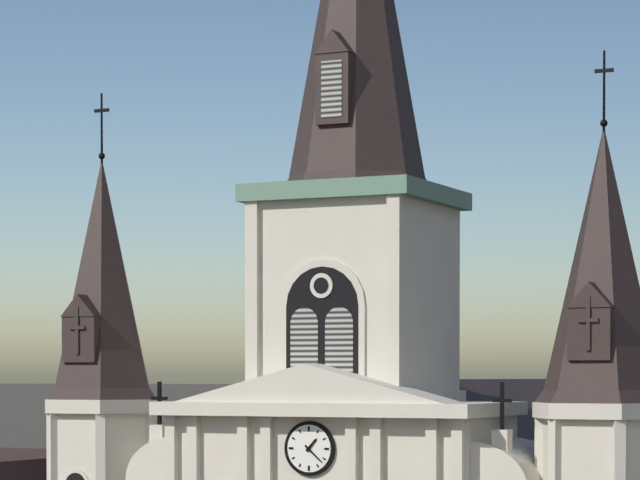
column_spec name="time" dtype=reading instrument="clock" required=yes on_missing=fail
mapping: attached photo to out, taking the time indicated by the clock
1:22
